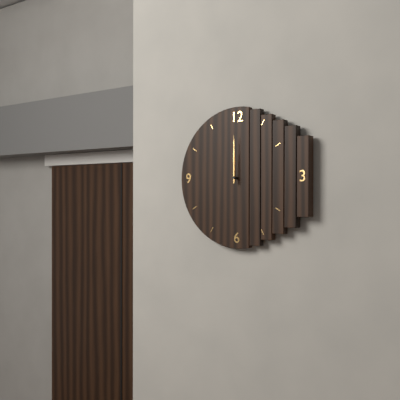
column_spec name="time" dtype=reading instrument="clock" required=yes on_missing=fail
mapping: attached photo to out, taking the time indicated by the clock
12:00
